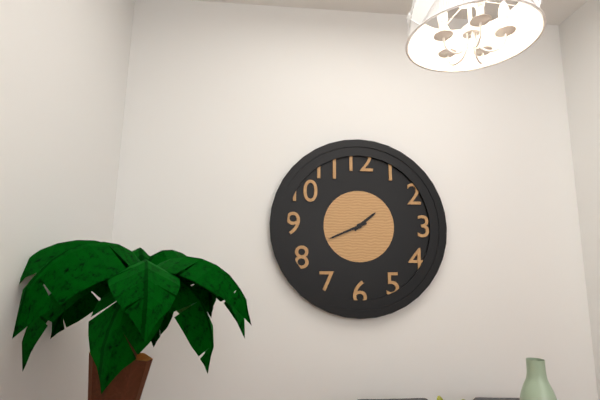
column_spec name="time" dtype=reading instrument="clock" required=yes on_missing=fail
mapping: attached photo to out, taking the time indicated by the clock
1:41
